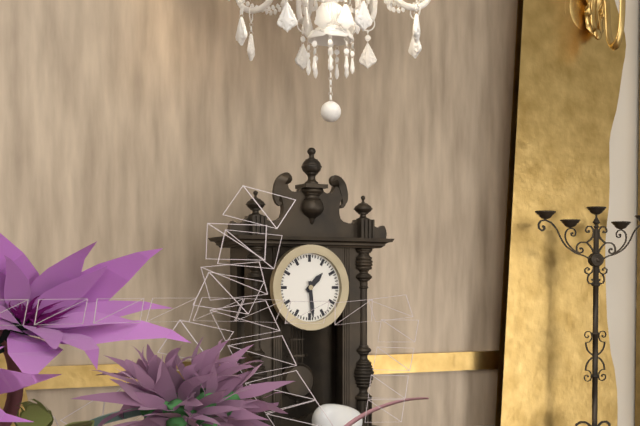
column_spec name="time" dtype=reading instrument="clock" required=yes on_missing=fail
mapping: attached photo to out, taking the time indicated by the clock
1:29
